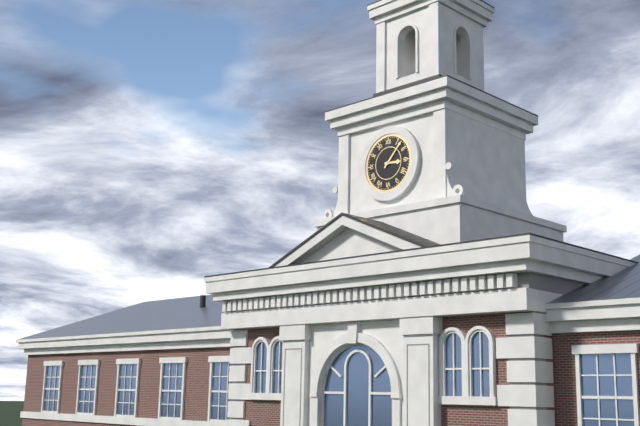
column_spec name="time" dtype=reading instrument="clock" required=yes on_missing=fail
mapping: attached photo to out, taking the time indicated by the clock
3:07
